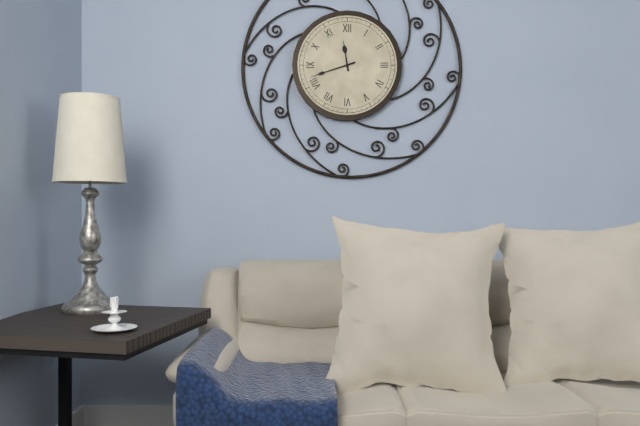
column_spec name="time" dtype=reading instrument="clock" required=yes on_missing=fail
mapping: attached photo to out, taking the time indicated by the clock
11:42
